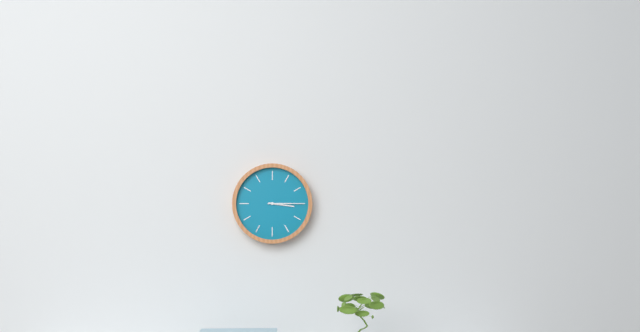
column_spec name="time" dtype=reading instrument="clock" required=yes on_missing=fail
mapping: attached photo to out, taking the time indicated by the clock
3:15
